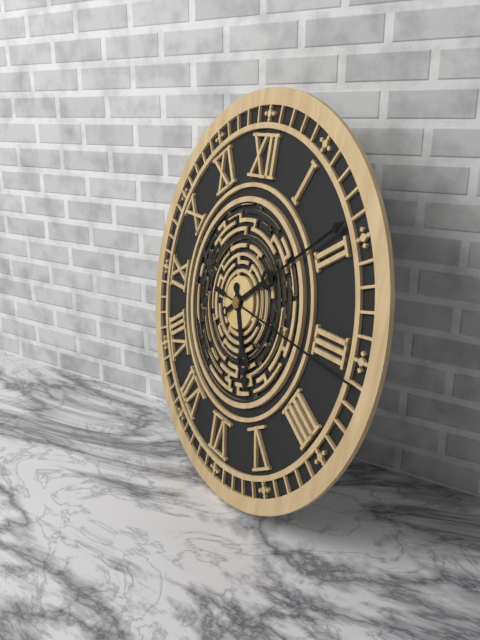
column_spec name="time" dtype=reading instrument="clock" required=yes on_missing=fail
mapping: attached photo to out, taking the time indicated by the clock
5:09:16
